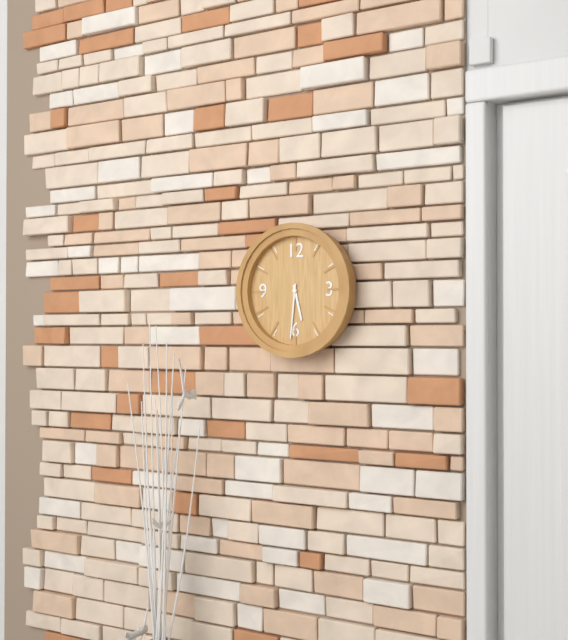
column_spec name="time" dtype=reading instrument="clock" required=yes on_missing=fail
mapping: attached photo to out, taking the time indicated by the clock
5:31
